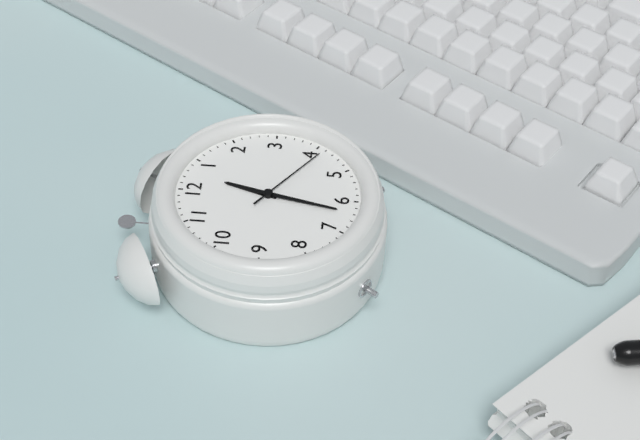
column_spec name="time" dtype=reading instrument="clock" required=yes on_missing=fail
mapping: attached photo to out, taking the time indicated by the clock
12:32:21
